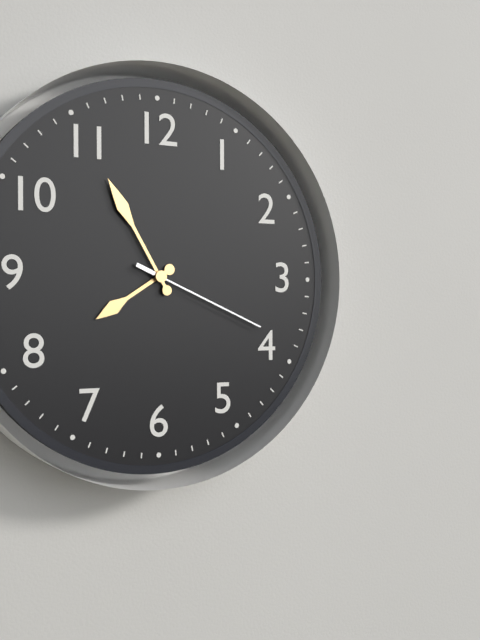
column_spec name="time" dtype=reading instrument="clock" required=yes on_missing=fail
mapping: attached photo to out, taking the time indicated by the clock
7:55:19
